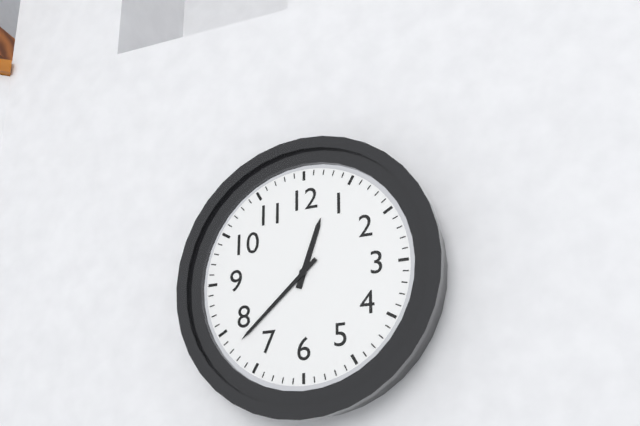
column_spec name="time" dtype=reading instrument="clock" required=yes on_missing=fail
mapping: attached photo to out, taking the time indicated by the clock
12:38
